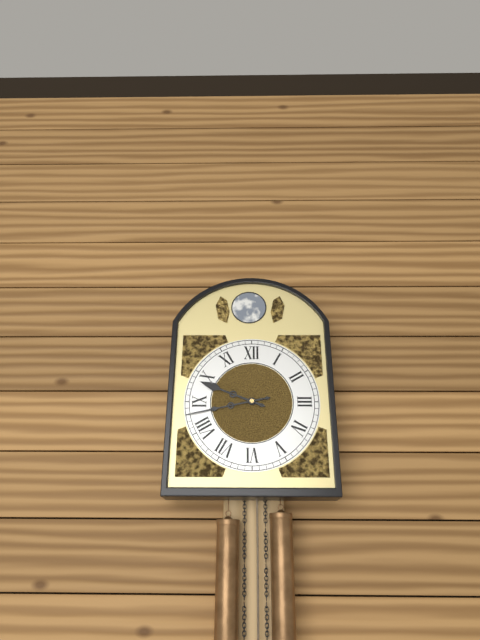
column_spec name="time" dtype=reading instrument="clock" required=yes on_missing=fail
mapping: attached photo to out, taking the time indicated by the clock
9:43
